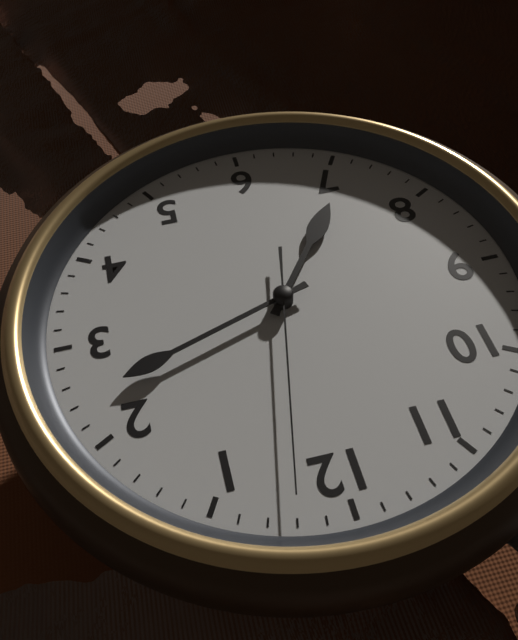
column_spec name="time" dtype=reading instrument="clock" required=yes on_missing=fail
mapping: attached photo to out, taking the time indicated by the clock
7:12:02
